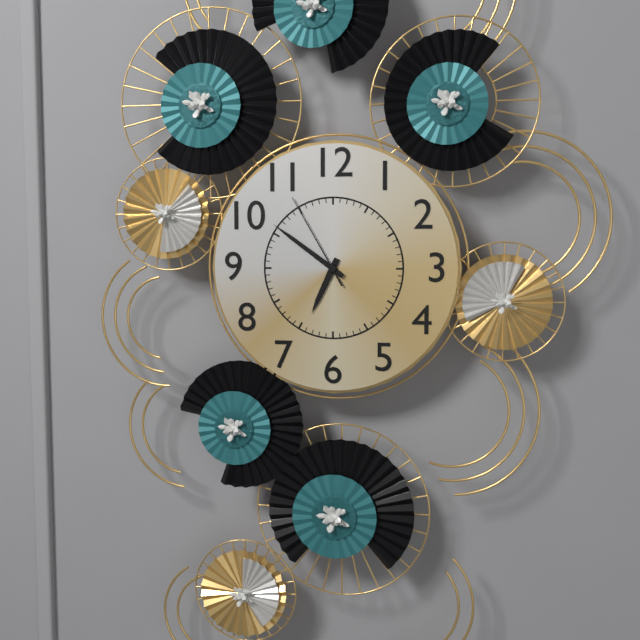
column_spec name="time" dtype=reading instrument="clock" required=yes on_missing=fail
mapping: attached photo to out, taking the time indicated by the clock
6:51:55
